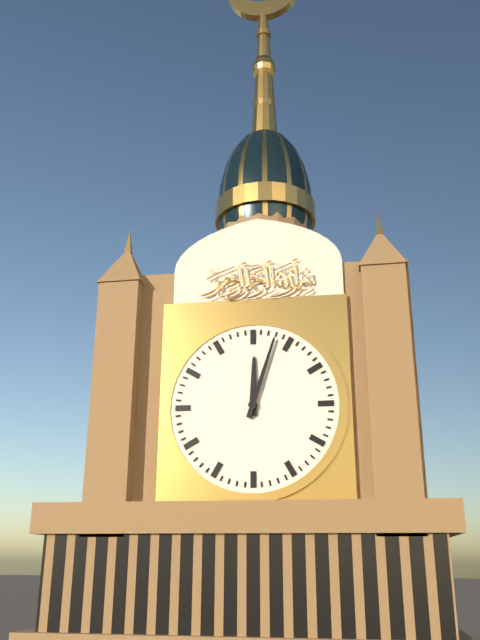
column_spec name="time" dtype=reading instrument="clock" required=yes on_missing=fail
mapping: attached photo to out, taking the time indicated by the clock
12:03
